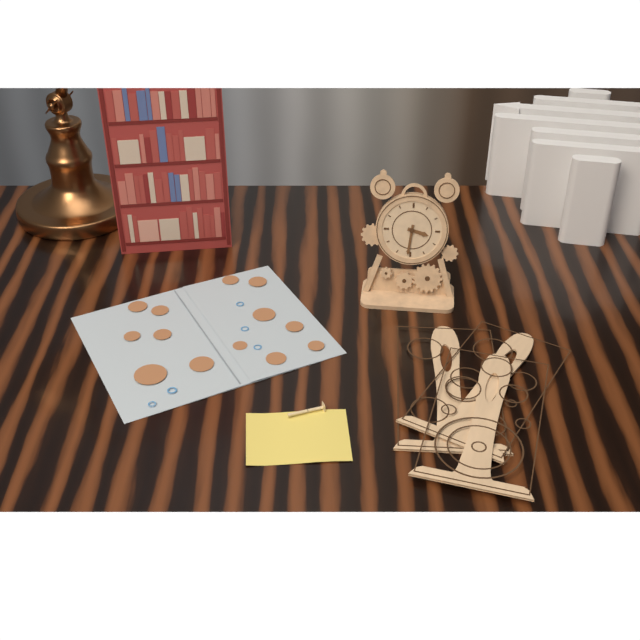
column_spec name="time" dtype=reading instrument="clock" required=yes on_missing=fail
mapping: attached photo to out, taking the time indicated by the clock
3:31
